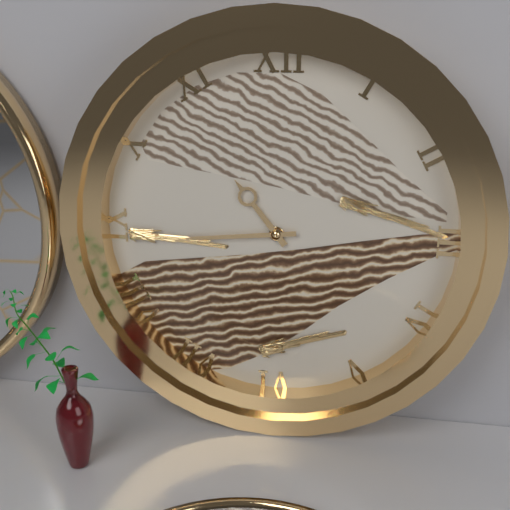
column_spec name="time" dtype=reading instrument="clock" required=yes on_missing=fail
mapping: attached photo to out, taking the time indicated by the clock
10:44
